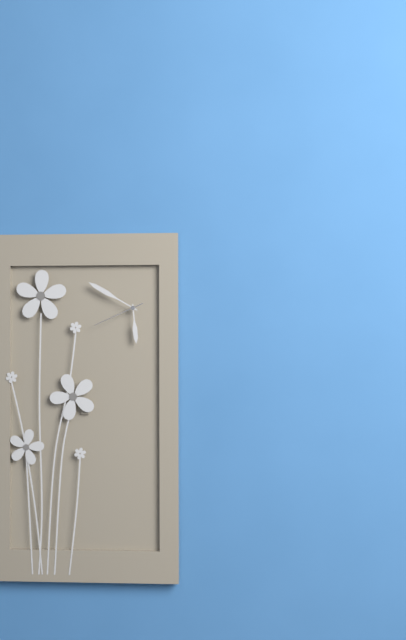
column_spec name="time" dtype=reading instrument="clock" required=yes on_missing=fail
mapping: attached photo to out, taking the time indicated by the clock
5:50:41
